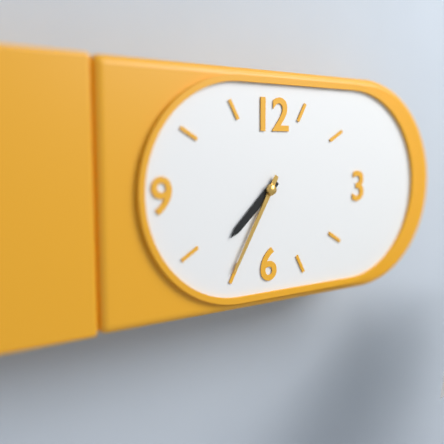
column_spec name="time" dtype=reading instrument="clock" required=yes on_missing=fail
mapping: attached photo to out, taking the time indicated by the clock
7:35
